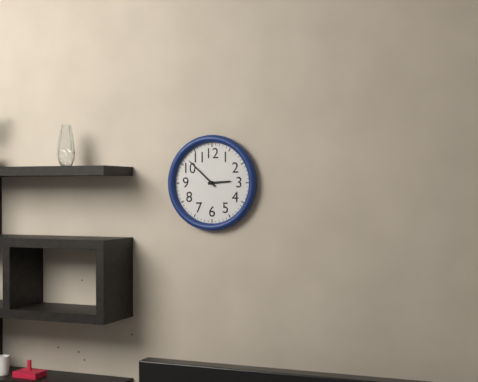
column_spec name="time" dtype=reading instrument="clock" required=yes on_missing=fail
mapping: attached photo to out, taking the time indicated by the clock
2:52
